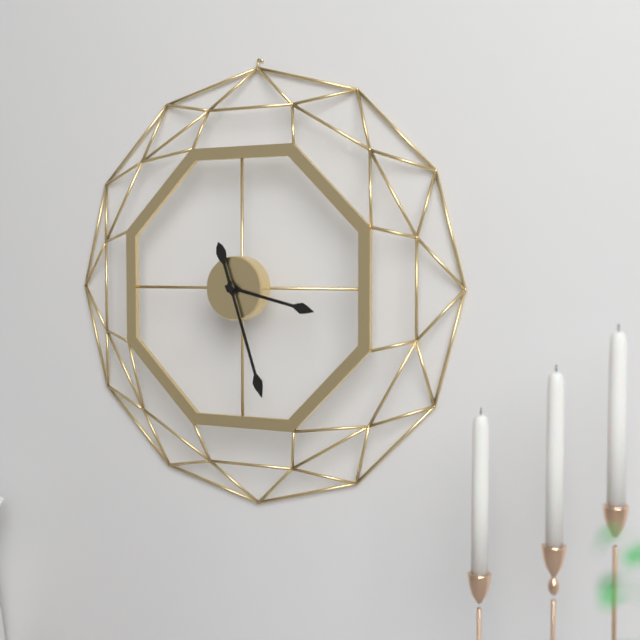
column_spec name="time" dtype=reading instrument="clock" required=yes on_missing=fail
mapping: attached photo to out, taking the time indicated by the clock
3:27
